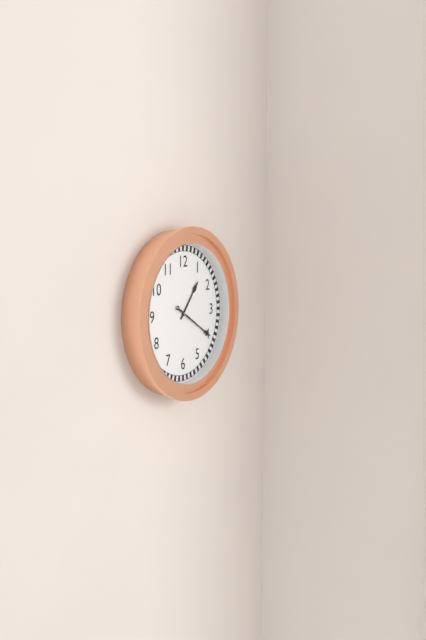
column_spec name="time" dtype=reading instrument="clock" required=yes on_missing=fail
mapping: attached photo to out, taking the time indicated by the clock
1:20
